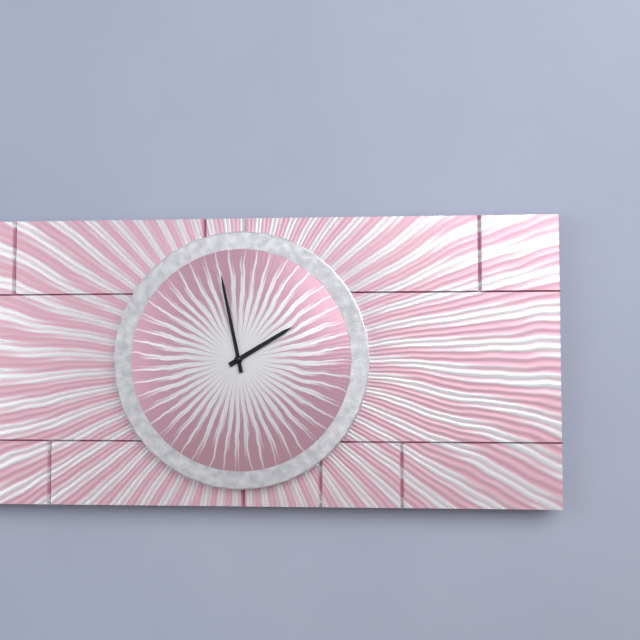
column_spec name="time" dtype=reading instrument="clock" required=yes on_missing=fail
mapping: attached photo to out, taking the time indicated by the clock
1:58
